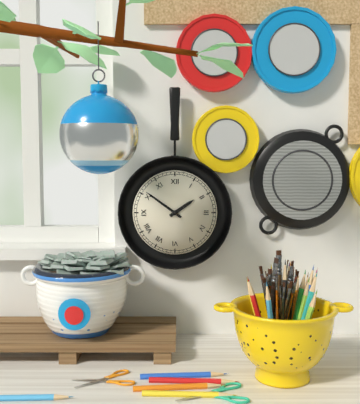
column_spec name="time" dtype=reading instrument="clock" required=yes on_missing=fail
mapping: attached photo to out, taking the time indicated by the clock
1:51
